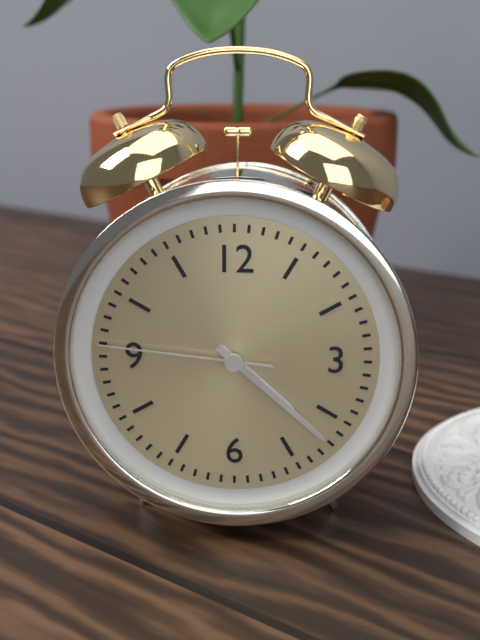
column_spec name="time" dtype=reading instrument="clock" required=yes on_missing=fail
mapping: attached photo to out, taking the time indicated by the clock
4:22:46
